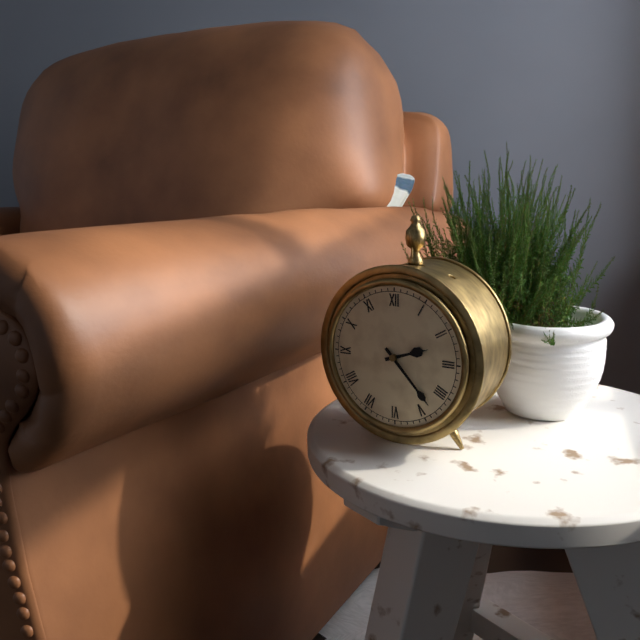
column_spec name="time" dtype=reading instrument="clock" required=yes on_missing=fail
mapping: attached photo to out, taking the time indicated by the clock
2:23
